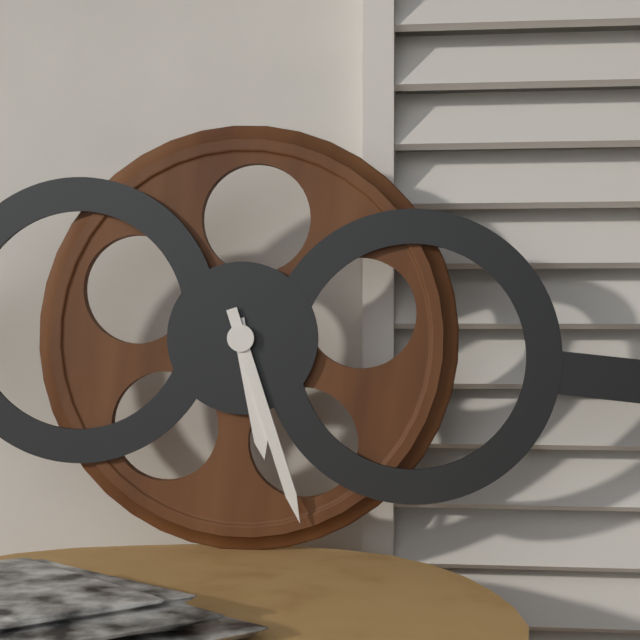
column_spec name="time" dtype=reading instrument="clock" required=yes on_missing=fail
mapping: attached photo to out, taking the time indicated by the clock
5:26
